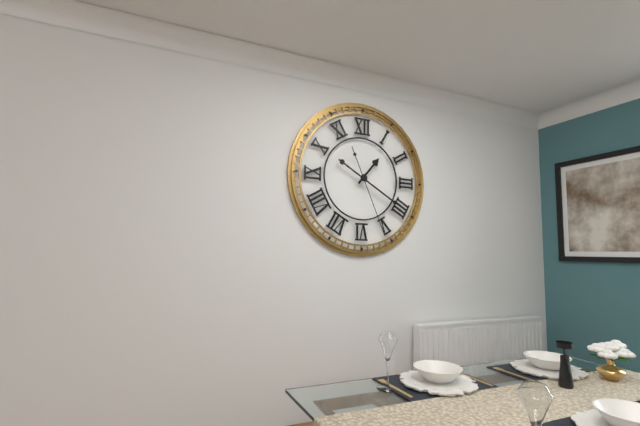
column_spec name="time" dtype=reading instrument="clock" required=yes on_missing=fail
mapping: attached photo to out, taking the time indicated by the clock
1:20:26
